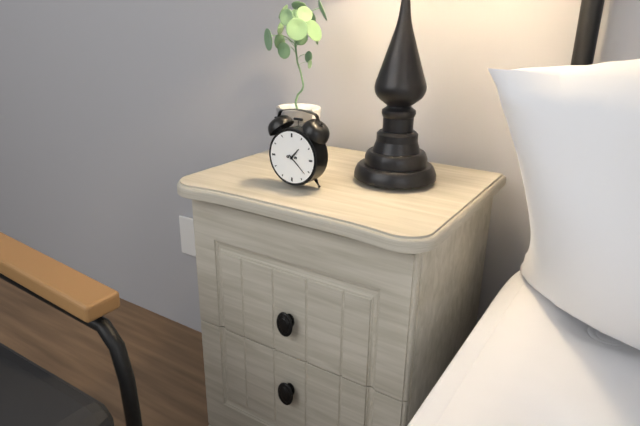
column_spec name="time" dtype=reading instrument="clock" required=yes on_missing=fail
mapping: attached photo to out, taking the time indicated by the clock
1:22
